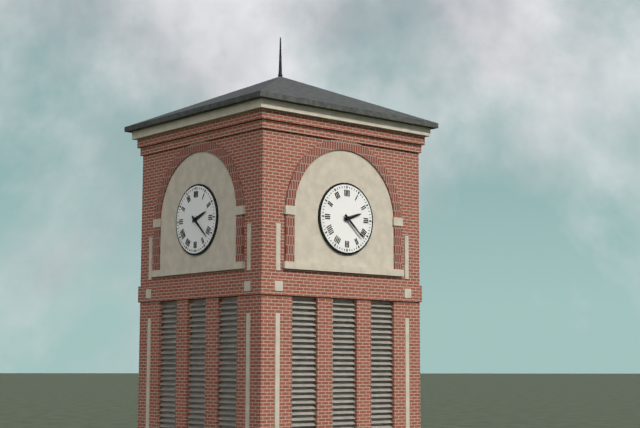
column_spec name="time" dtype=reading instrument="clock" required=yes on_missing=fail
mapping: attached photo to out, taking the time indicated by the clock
2:22
